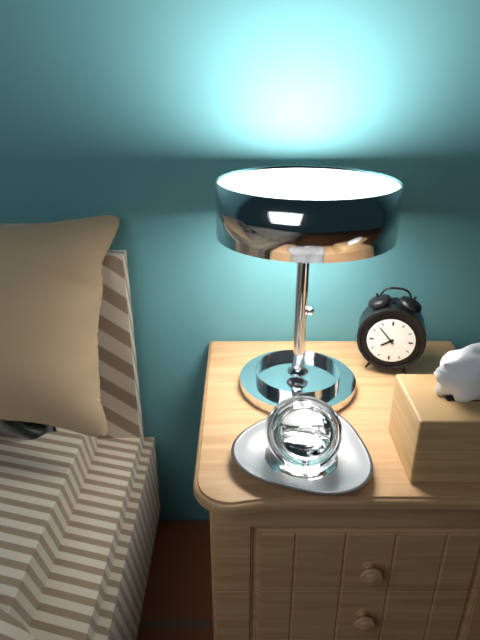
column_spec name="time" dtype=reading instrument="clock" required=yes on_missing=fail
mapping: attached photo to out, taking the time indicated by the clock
7:53
